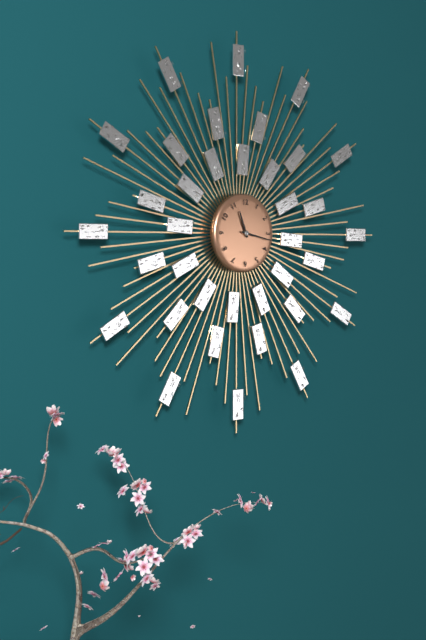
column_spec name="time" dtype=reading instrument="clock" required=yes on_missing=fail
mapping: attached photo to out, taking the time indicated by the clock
11:17
